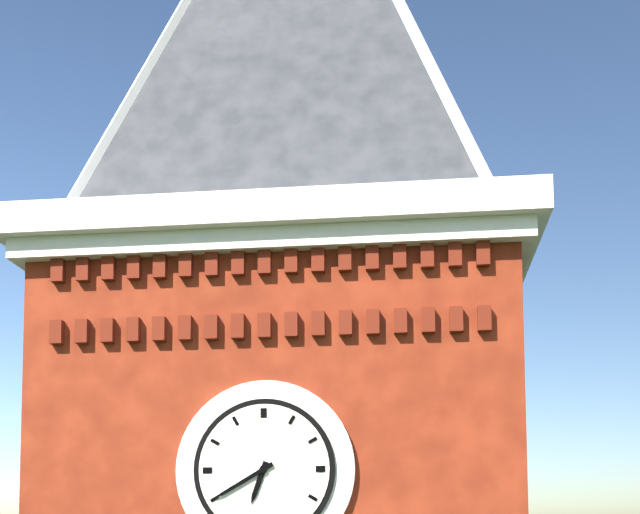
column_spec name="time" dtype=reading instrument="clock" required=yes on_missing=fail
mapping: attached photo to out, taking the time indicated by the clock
6:40
